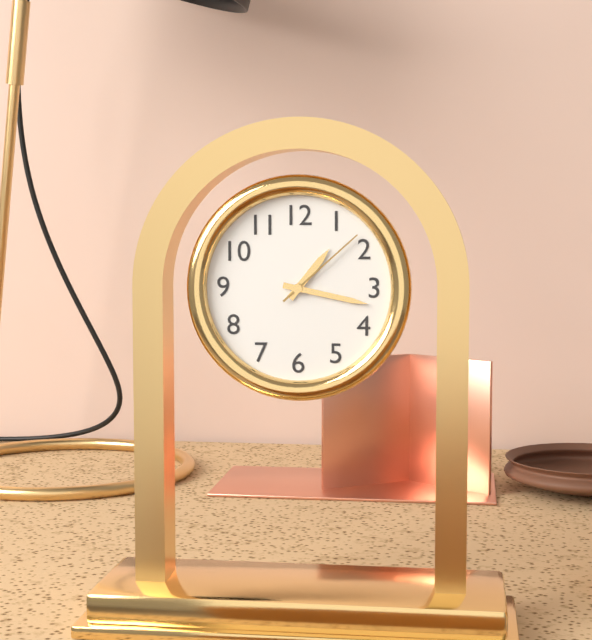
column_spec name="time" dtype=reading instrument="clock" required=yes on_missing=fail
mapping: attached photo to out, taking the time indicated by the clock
1:17:08
